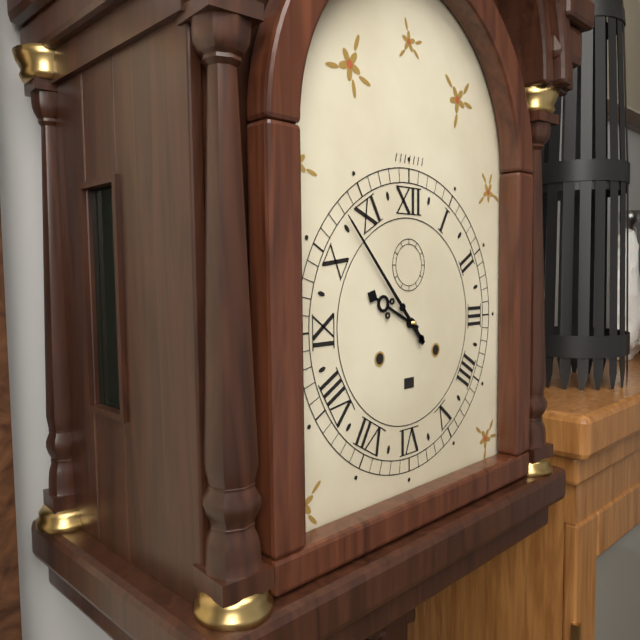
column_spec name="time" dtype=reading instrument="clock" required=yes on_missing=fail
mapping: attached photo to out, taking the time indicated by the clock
9:53
